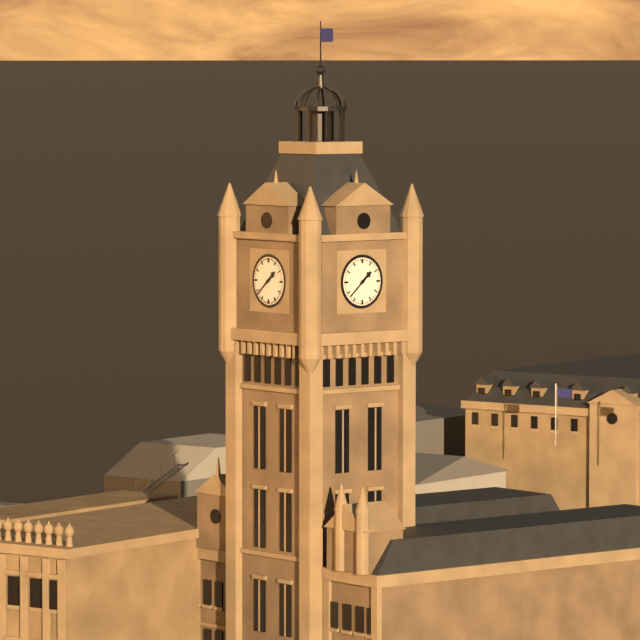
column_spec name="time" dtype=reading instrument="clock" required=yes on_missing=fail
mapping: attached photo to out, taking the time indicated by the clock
1:38
